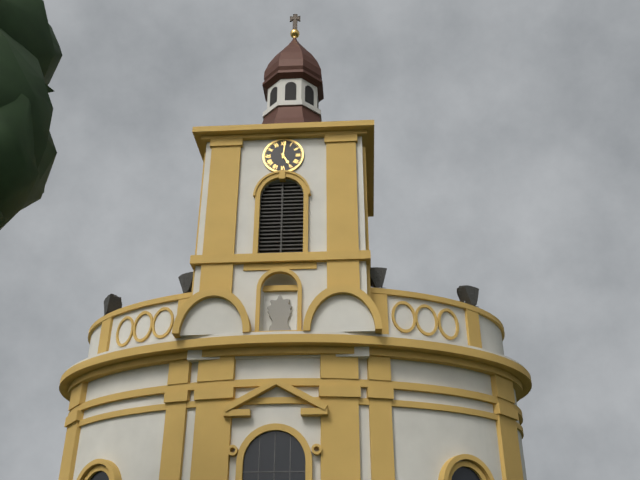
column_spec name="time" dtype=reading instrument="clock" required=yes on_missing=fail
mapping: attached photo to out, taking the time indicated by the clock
5:01
